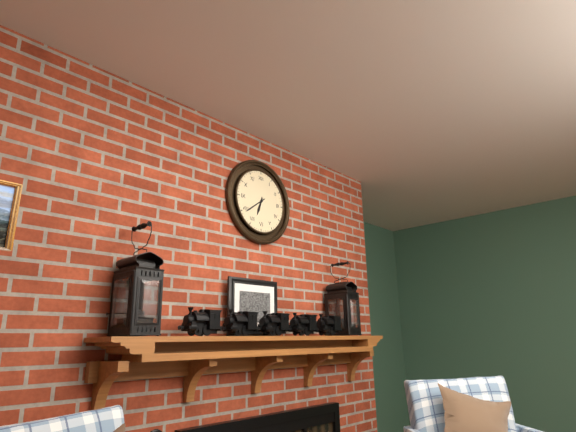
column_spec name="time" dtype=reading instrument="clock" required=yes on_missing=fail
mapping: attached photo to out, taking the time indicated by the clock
6:39
